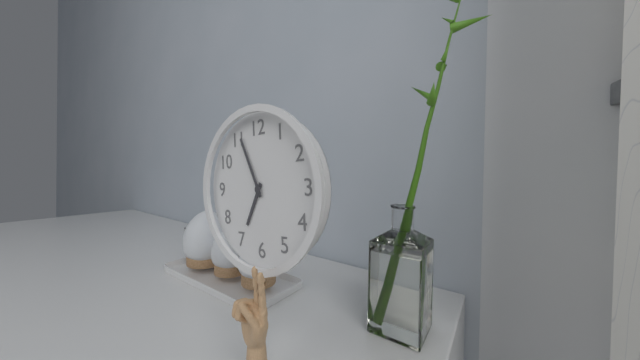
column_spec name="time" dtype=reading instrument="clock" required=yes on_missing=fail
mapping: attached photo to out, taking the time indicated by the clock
6:56
